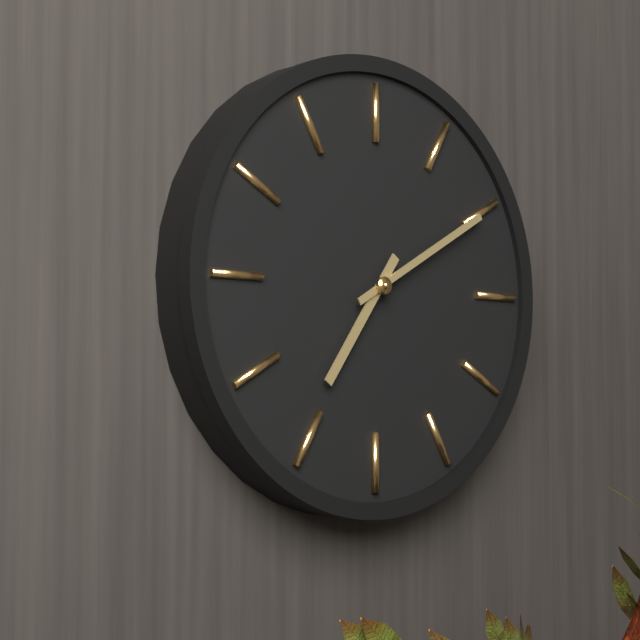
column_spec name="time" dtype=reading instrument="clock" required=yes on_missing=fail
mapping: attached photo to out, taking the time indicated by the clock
7:10
